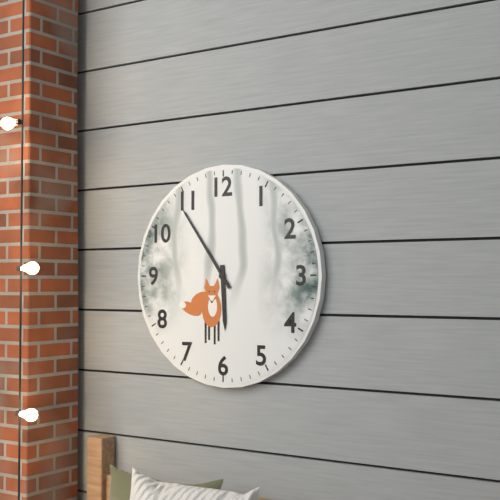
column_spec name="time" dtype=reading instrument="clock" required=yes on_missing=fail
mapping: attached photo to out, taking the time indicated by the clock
5:54
